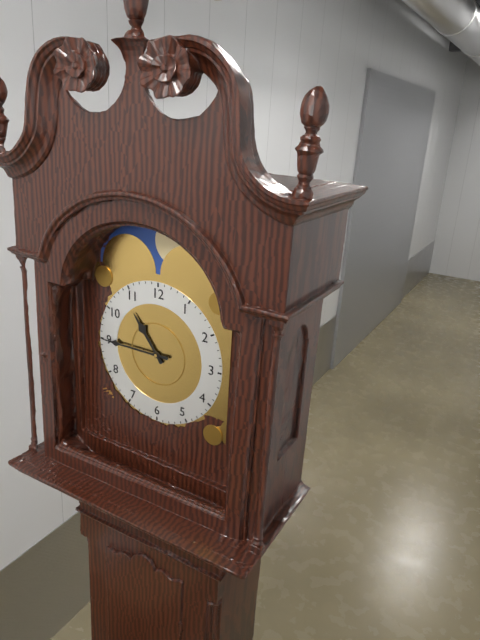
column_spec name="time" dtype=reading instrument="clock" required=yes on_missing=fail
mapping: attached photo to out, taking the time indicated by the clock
10:45
